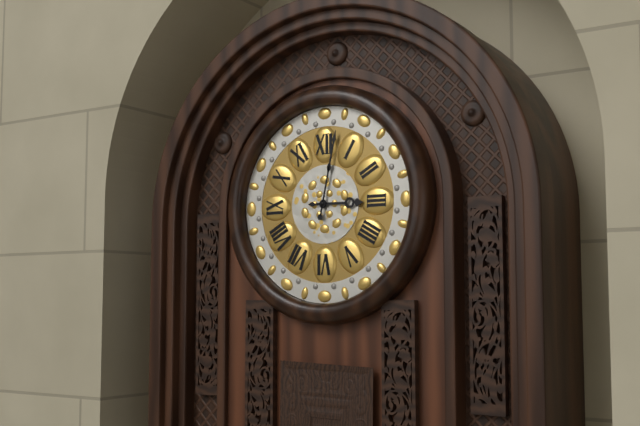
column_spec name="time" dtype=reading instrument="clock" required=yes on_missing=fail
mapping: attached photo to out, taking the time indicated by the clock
3:02
